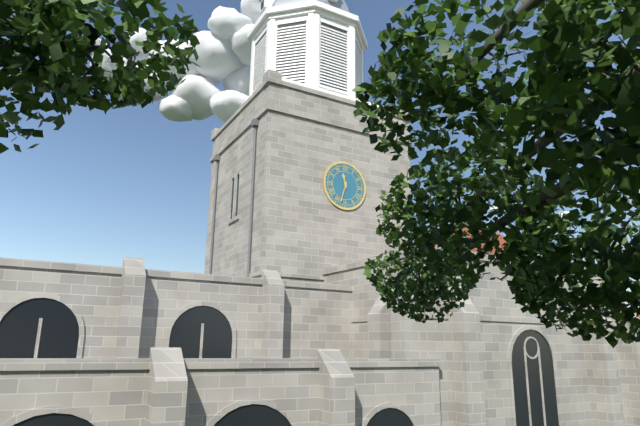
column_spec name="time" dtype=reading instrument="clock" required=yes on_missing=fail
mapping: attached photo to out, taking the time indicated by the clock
11:33
